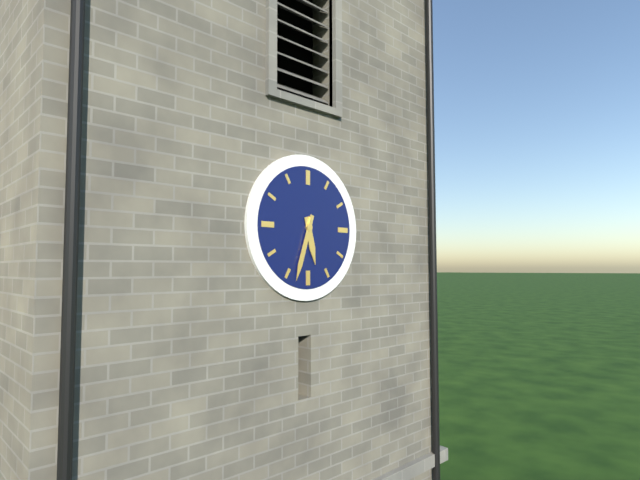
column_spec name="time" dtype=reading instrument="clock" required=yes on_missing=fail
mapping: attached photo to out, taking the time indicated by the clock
5:33
